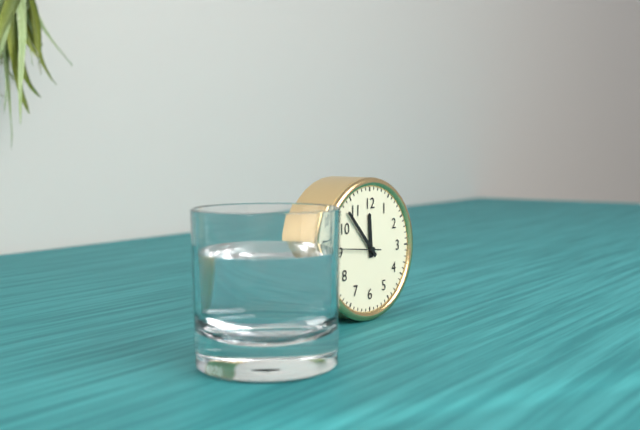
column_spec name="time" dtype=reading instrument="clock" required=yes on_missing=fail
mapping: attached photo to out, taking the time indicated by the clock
11:53
